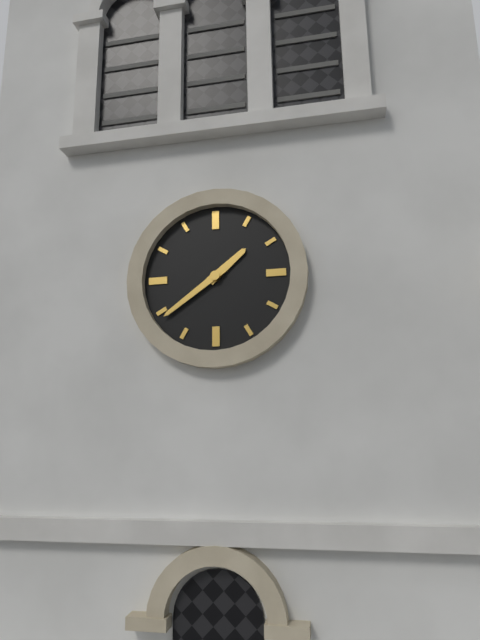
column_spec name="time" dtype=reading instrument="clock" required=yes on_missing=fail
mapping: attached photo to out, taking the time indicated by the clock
1:39
